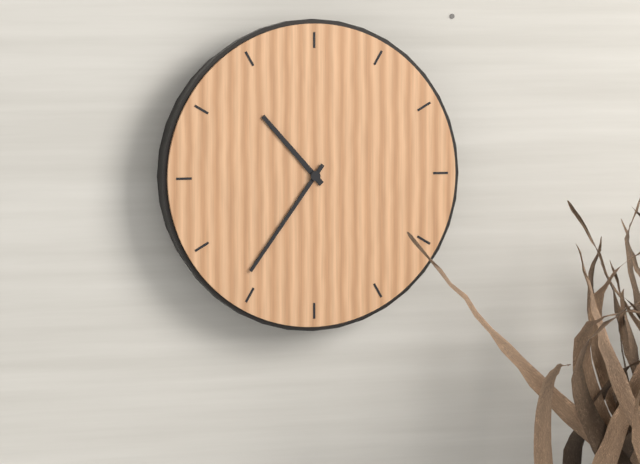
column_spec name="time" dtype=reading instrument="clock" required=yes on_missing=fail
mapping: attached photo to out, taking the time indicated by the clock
10:36
